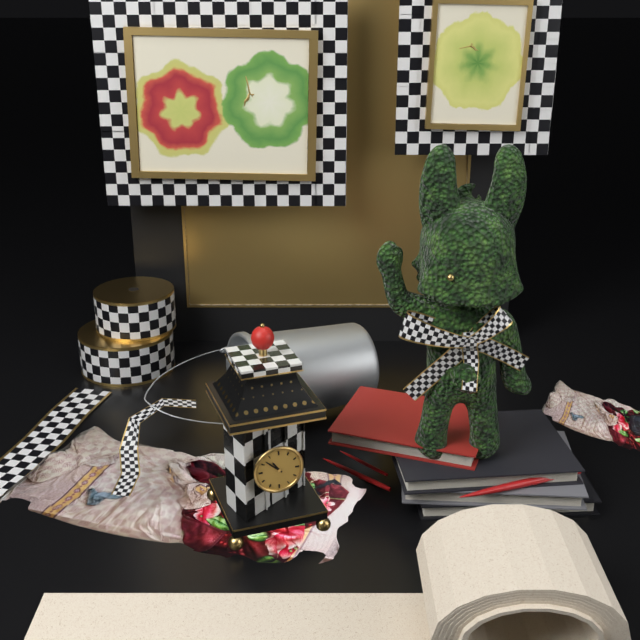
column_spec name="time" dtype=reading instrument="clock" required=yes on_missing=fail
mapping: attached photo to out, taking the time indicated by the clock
10:52
